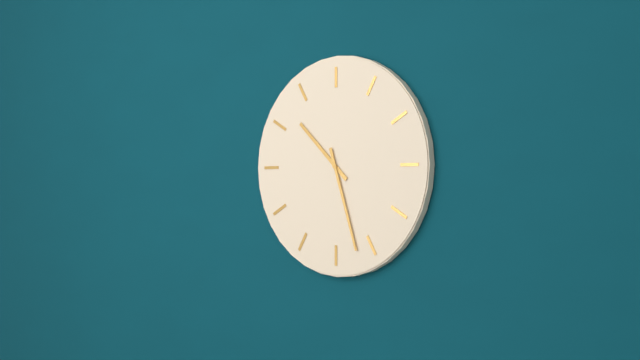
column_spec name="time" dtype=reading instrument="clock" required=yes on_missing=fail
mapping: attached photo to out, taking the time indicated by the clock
10:27
